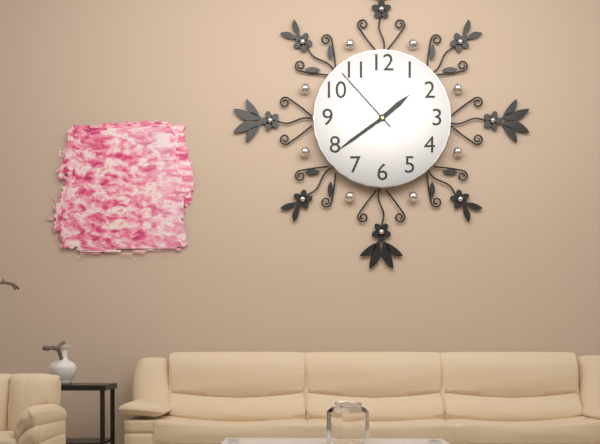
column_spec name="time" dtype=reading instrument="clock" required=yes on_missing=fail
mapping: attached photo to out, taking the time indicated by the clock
1:39:53
